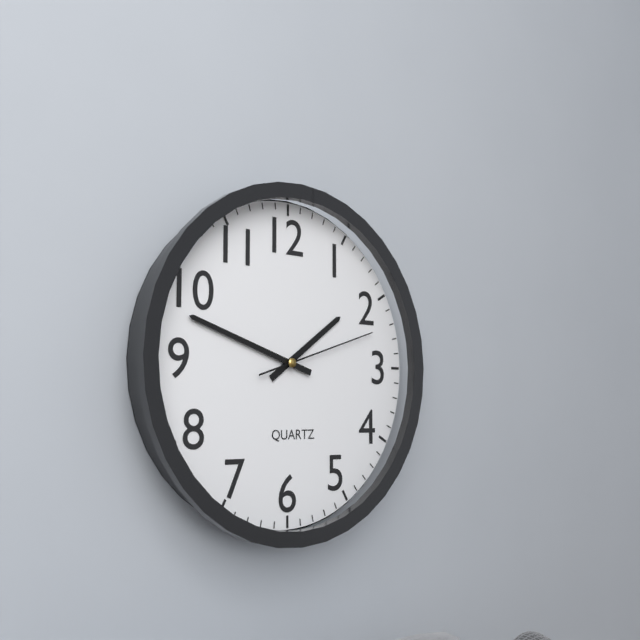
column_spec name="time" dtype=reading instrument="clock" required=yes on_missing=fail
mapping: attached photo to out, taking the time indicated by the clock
1:48:12
